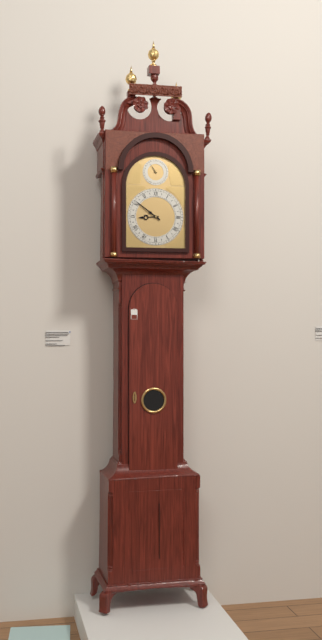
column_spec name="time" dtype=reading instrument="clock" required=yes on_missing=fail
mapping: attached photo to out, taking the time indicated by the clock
8:51
